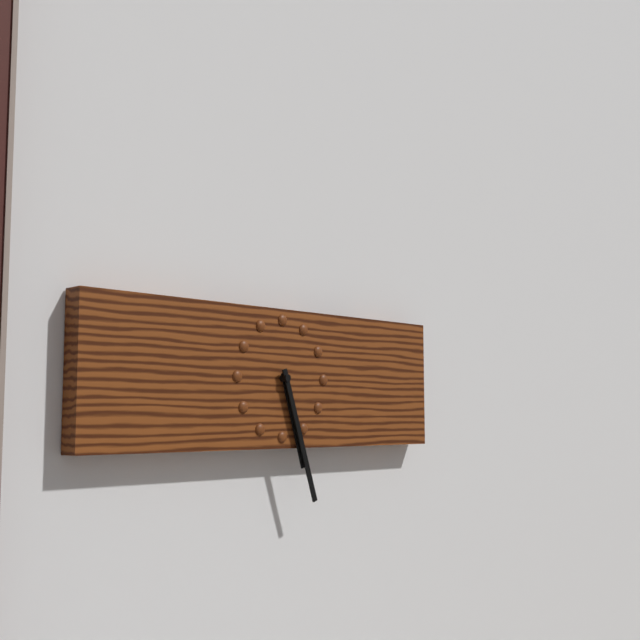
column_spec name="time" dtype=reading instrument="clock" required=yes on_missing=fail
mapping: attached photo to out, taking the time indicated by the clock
5:27
